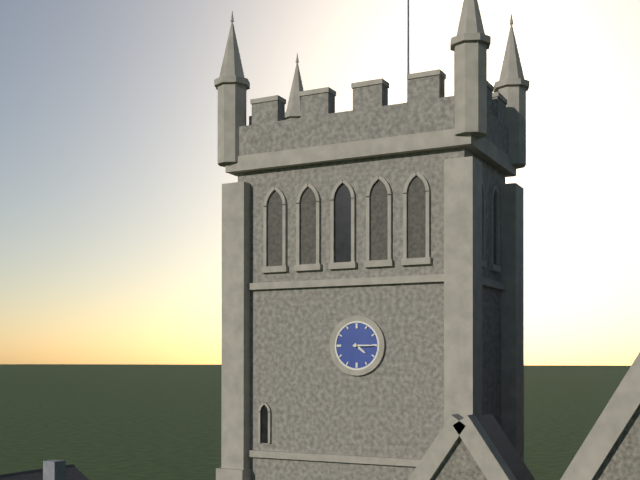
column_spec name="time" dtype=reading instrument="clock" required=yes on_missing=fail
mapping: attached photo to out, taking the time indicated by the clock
4:15
